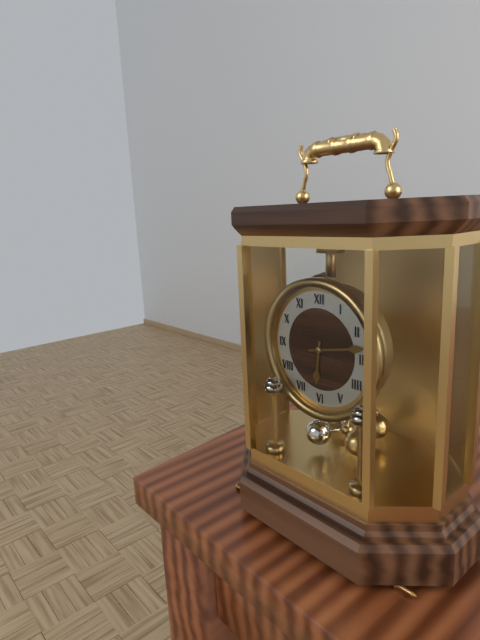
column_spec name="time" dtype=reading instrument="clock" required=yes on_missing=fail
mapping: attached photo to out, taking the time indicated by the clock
6:13
